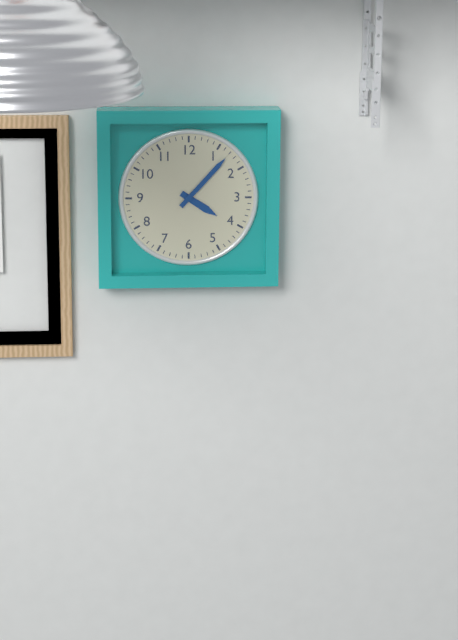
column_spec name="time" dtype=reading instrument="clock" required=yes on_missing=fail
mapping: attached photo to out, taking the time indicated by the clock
4:07
